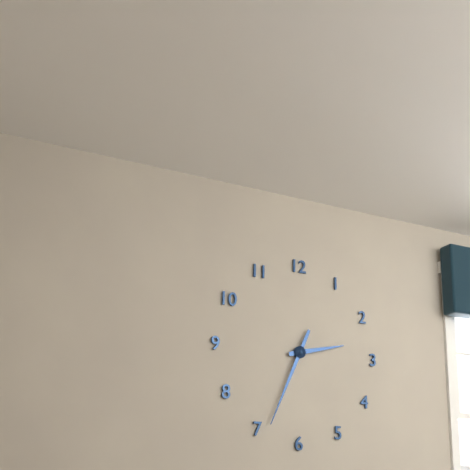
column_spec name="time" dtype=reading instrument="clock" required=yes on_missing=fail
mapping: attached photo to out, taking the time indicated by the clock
2:34
